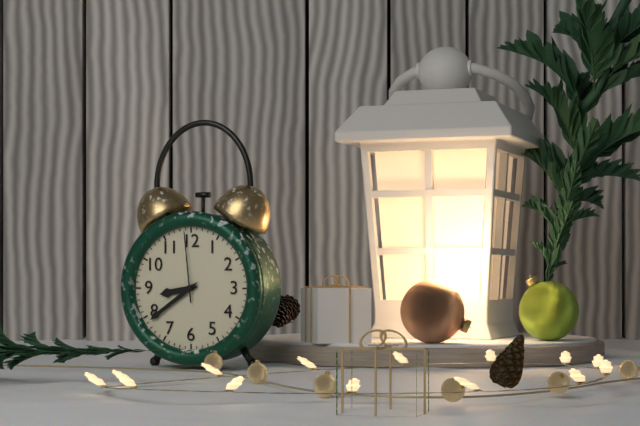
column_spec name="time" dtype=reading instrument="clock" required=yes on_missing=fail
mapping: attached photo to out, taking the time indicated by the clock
8:39:59
